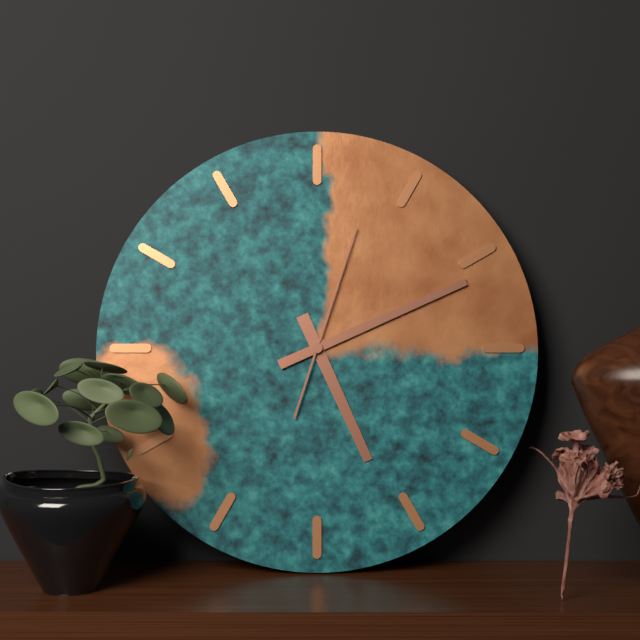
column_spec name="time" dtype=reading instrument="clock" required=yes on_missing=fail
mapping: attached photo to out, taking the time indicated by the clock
5:11:03
